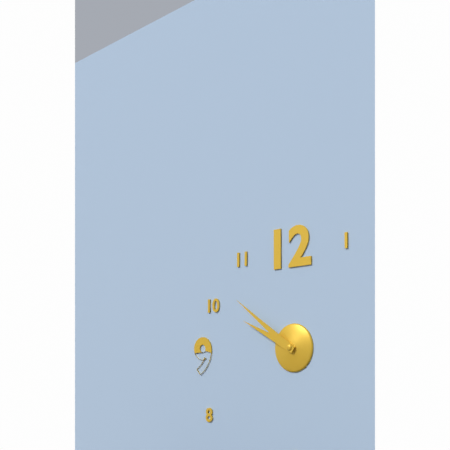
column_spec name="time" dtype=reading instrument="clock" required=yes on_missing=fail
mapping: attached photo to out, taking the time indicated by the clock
9:51
